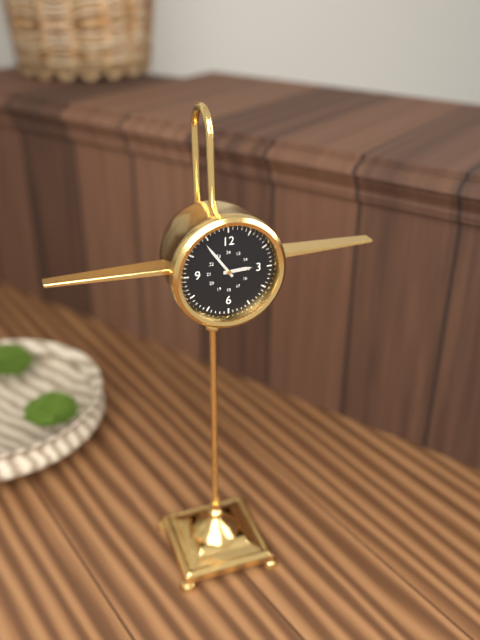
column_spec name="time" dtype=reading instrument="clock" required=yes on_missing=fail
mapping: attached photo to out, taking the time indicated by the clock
2:54
